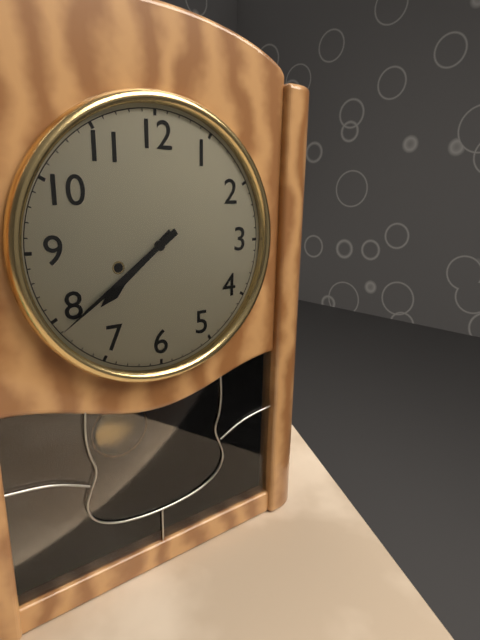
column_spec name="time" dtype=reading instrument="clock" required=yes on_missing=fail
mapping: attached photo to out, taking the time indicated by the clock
7:39
